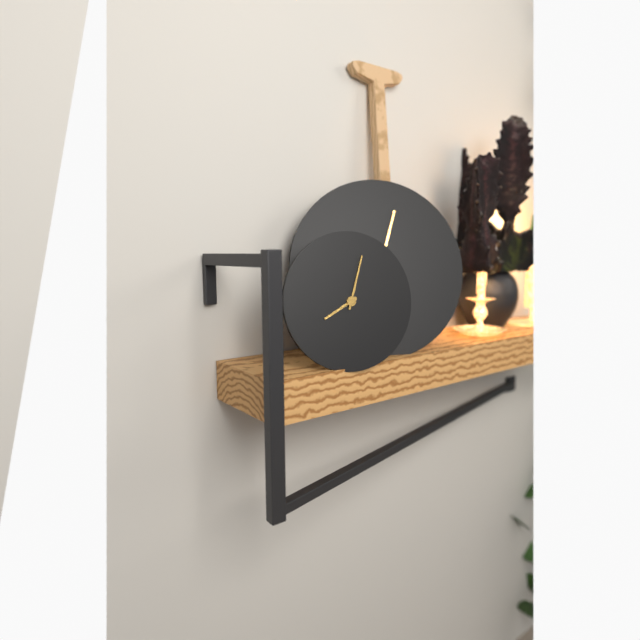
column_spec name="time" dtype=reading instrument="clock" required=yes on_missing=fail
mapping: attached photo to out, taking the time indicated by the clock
8:03
